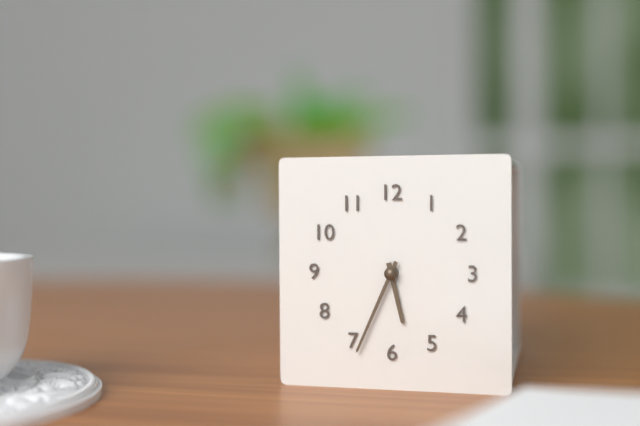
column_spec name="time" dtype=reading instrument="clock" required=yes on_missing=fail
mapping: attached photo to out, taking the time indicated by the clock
5:34
